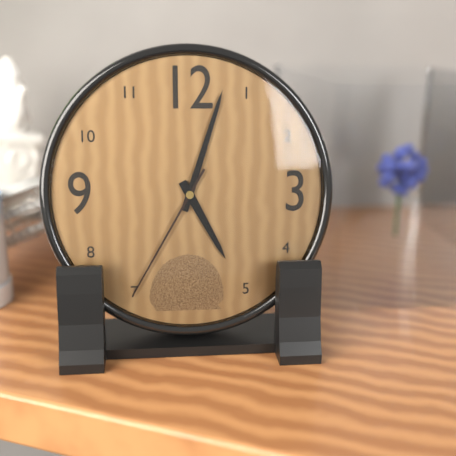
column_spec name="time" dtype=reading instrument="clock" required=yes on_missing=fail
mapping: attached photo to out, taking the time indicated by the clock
5:03:35
